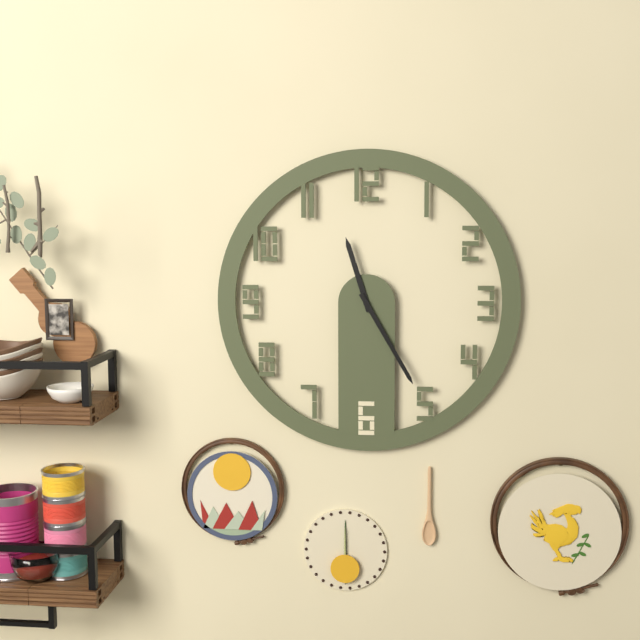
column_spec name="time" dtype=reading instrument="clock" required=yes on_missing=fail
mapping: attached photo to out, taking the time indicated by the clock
11:25
